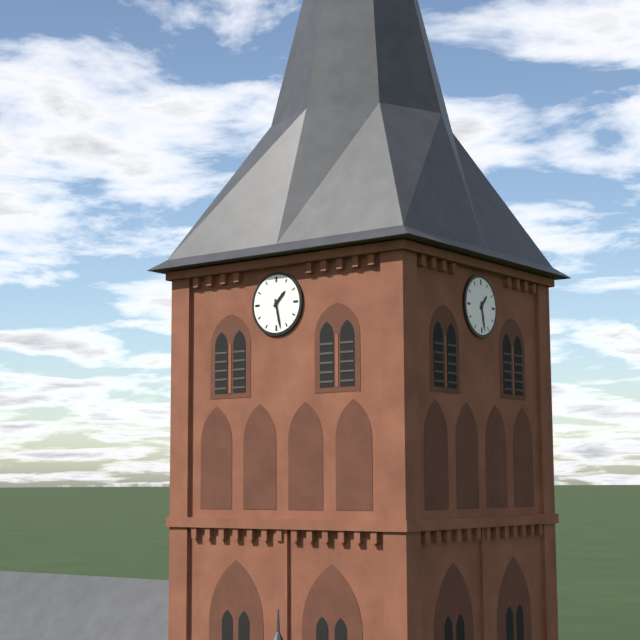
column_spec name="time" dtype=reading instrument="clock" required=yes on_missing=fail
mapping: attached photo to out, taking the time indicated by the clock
1:28
